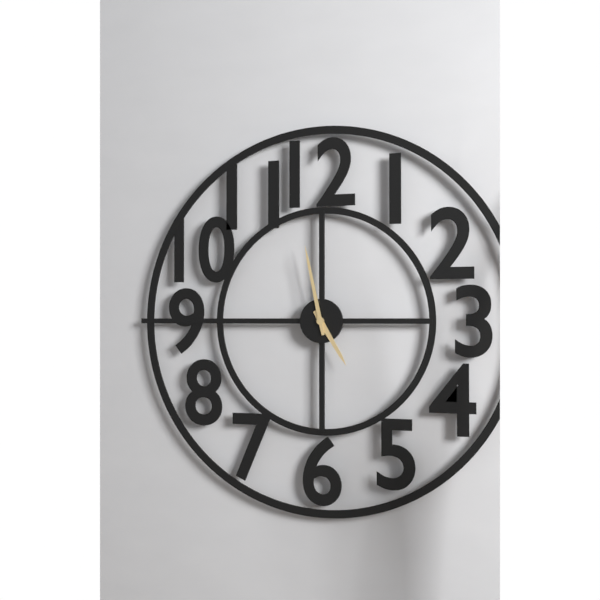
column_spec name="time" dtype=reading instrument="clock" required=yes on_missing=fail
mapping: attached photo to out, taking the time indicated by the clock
4:58
